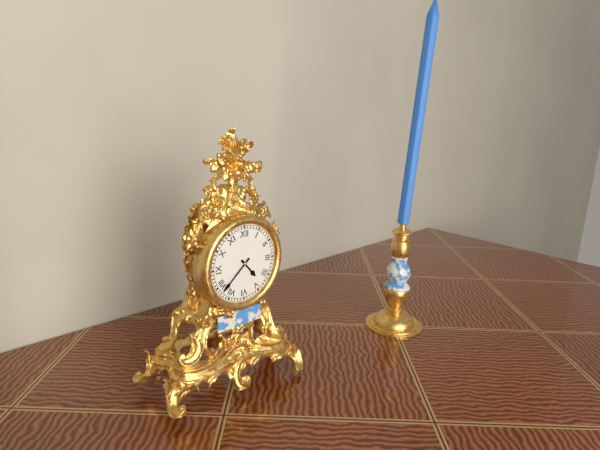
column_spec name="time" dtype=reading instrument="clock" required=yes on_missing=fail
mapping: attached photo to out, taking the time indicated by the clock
4:38
